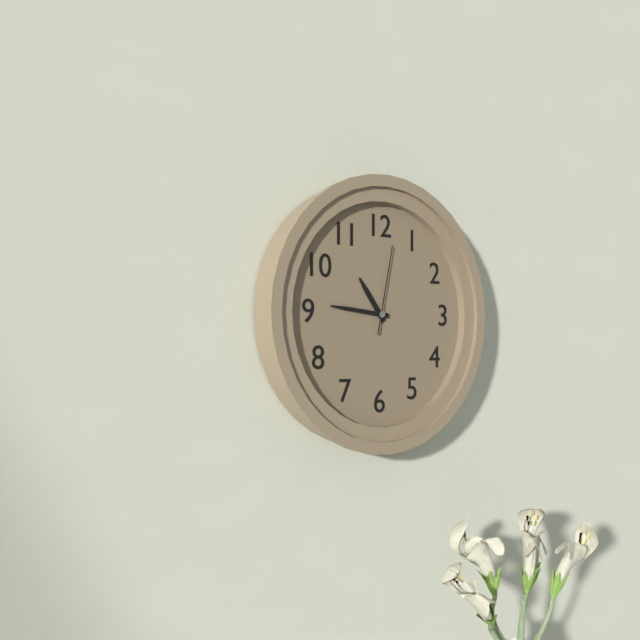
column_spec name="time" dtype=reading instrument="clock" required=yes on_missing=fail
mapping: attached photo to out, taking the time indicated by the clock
10:46:02
